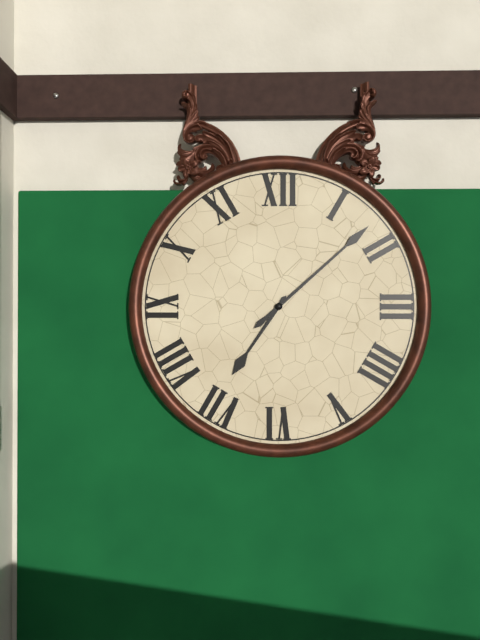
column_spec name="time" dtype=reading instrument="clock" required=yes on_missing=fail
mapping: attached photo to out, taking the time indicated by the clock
7:08
